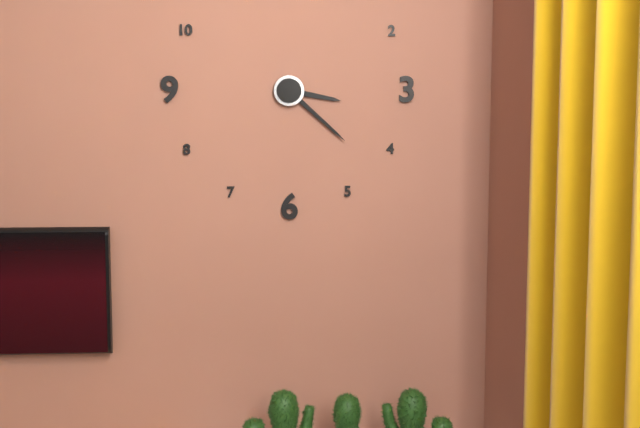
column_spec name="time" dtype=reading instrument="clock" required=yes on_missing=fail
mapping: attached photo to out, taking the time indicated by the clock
3:22
